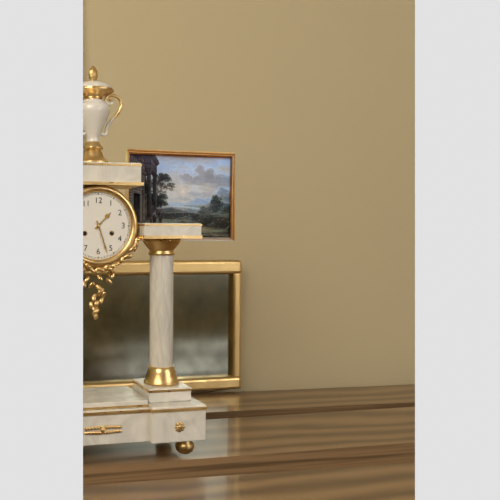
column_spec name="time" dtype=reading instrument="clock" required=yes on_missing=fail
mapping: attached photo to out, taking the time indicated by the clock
1:27
